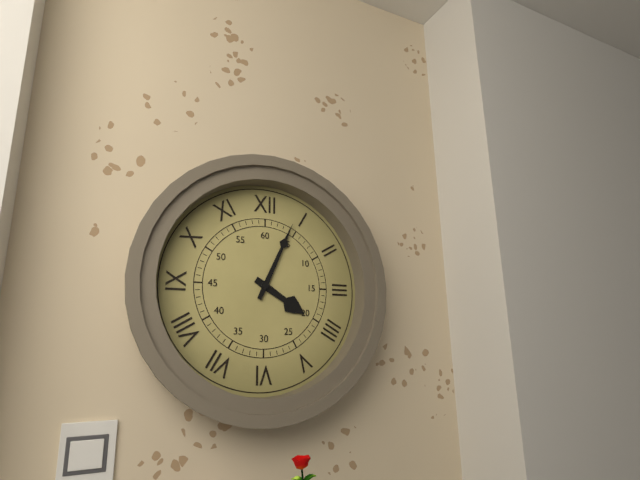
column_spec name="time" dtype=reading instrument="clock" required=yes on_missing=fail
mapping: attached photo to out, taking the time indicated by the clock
4:04
